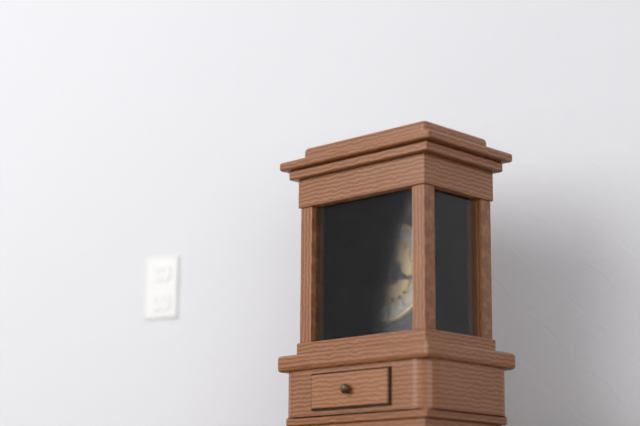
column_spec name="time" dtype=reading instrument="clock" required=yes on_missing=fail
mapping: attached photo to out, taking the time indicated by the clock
3:42
